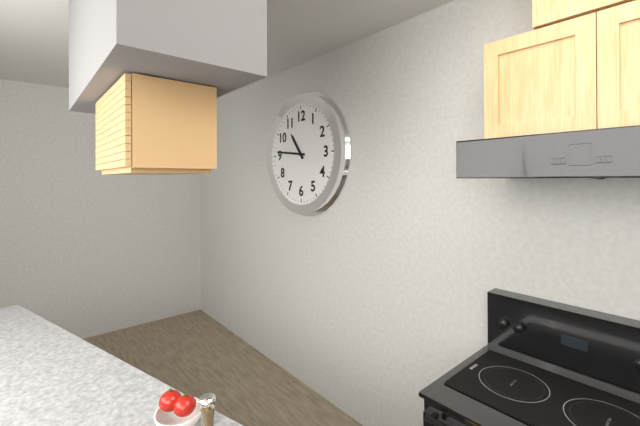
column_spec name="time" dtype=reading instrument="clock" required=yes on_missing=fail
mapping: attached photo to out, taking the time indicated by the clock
10:46
